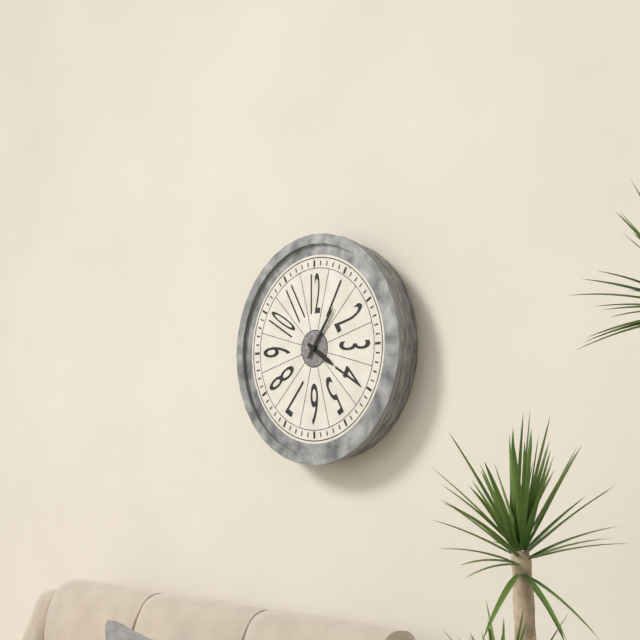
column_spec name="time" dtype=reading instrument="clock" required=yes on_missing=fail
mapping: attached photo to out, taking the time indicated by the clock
4:06
